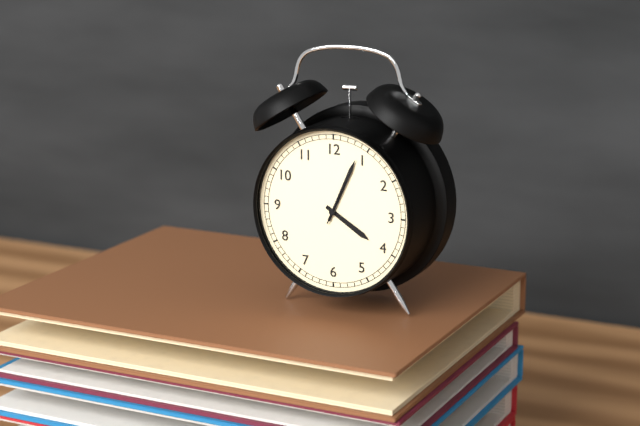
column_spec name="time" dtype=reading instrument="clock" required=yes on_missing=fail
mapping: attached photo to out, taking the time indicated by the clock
4:04
